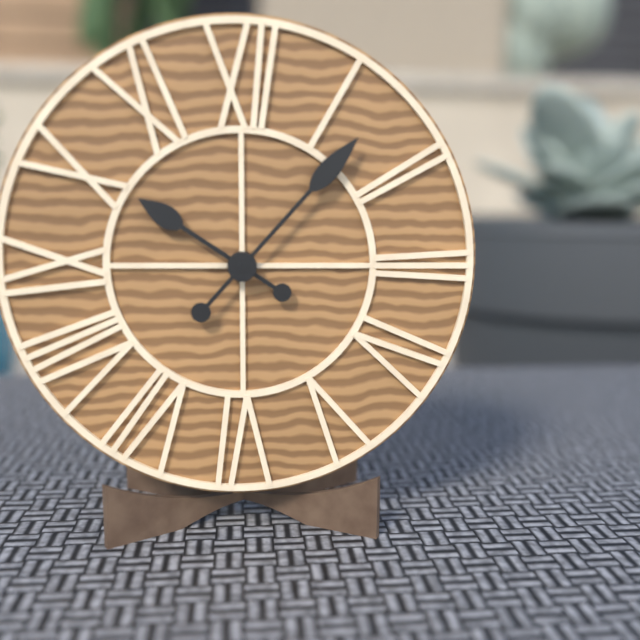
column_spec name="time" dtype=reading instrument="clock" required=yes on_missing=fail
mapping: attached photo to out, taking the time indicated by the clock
10:07
